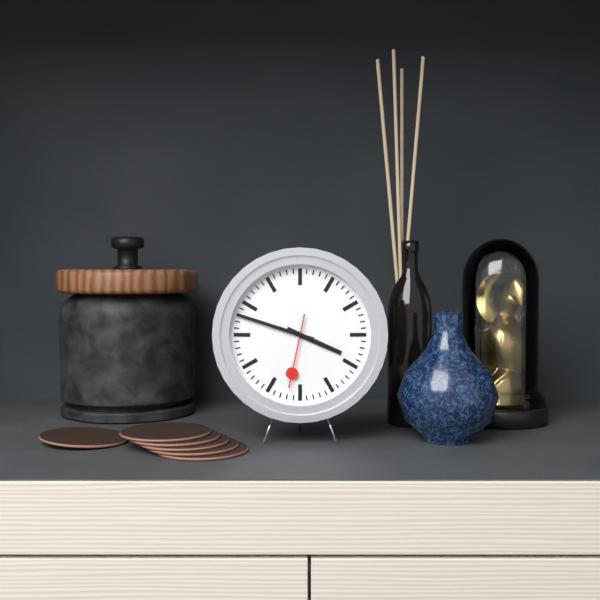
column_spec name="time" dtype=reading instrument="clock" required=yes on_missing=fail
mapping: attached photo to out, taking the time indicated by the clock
3:48:32
